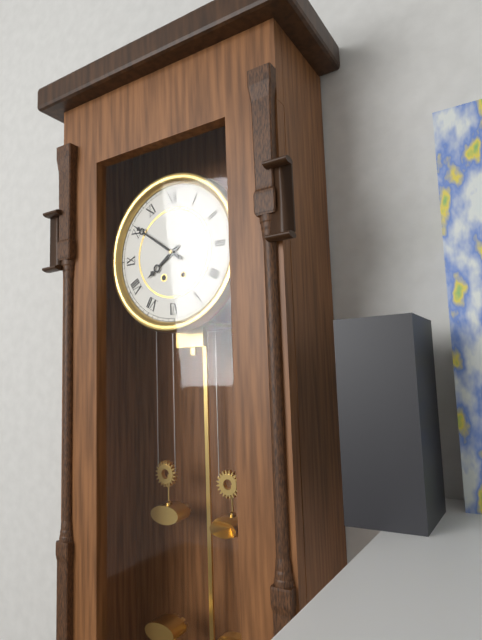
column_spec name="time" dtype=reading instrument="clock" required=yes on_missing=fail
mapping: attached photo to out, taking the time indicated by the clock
7:51
